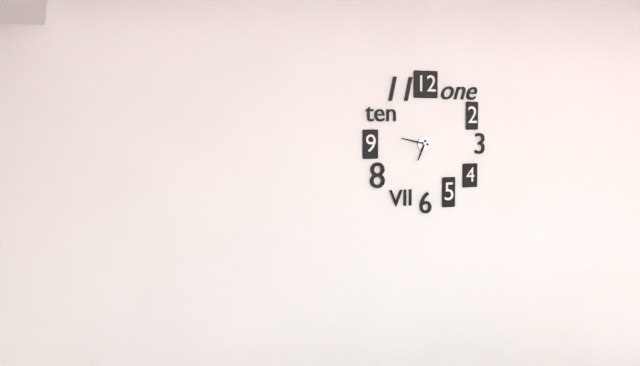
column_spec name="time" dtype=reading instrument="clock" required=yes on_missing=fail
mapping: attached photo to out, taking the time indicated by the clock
6:47
